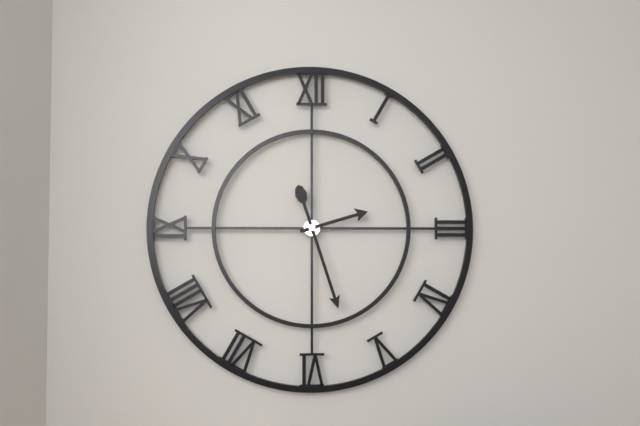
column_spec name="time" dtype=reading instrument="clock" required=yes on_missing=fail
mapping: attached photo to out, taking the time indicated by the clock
2:27
